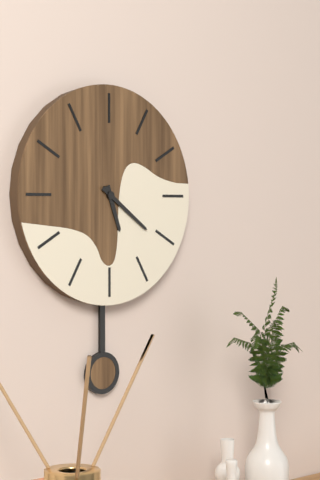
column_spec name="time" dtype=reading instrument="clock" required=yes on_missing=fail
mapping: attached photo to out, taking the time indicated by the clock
5:21
